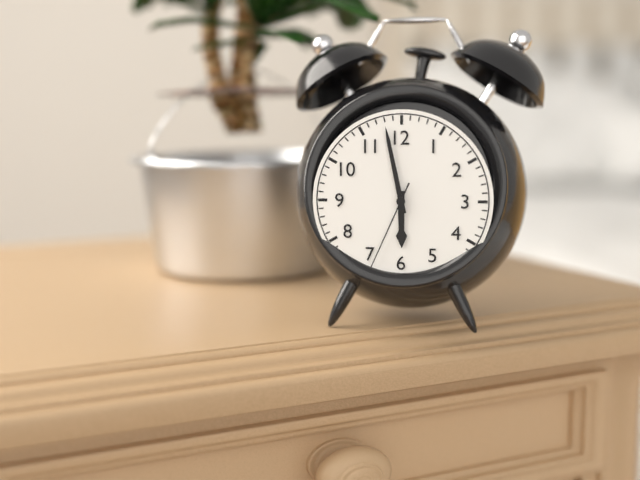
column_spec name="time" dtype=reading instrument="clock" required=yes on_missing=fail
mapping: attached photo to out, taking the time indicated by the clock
5:58:34
